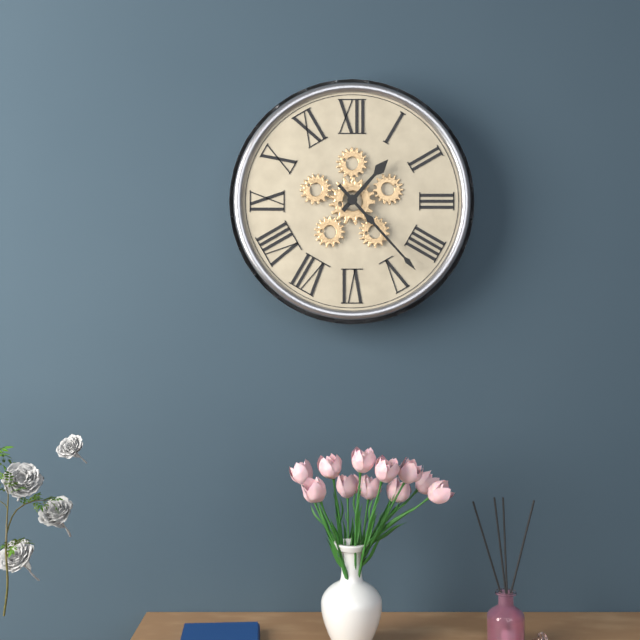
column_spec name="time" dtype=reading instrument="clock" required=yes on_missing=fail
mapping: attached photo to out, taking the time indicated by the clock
1:23
